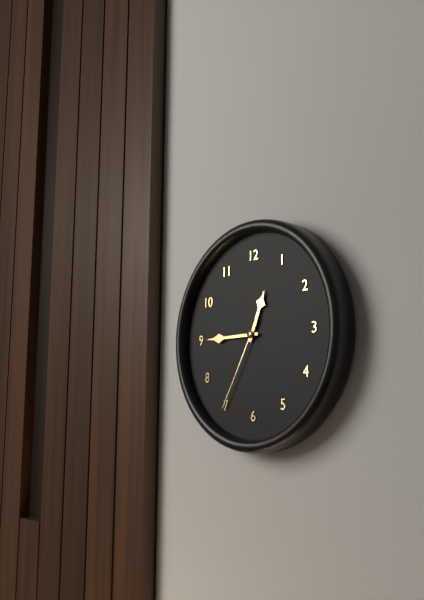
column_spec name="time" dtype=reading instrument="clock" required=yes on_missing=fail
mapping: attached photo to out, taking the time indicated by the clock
12:45:35
